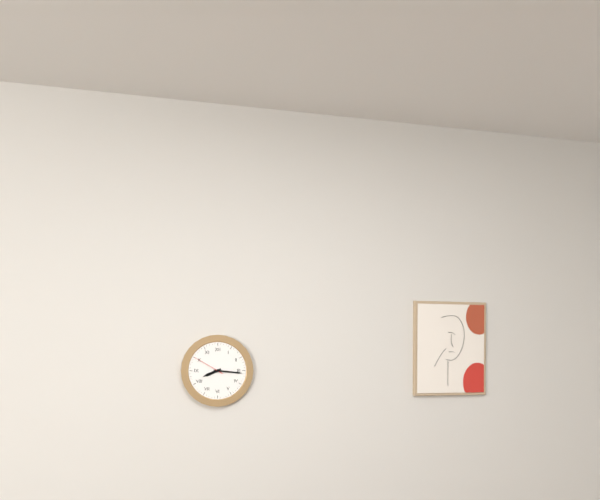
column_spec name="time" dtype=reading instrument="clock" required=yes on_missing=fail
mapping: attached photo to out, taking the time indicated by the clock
8:16
